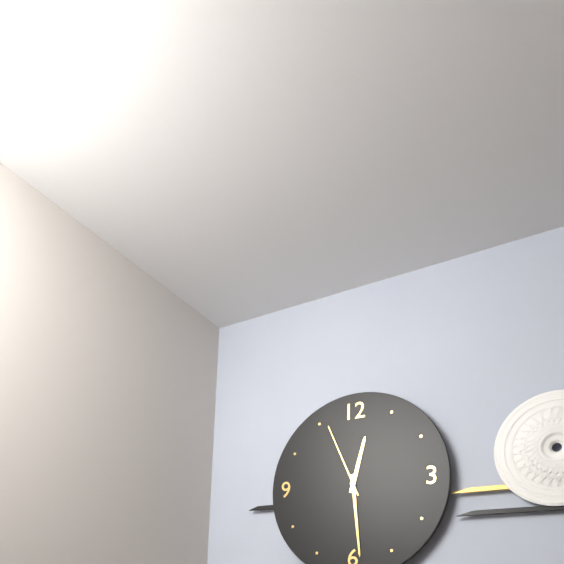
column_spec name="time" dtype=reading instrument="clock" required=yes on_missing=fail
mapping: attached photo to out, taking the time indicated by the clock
12:29:56
